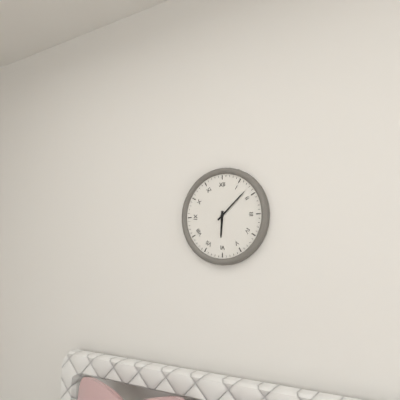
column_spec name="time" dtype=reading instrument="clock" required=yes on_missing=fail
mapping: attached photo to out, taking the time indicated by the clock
6:08
